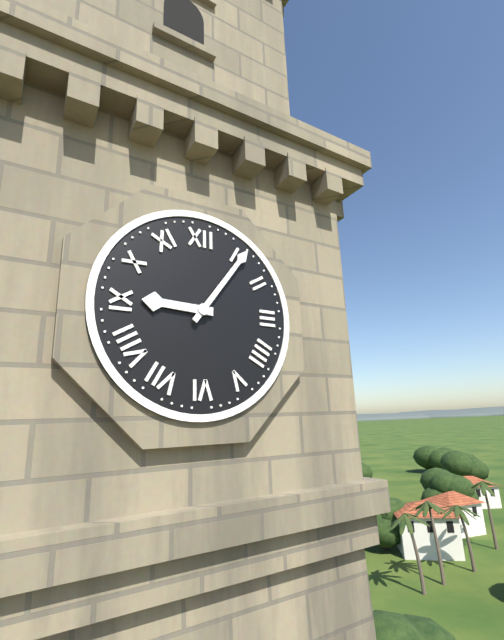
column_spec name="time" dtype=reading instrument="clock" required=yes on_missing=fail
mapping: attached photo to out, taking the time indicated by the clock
9:06
